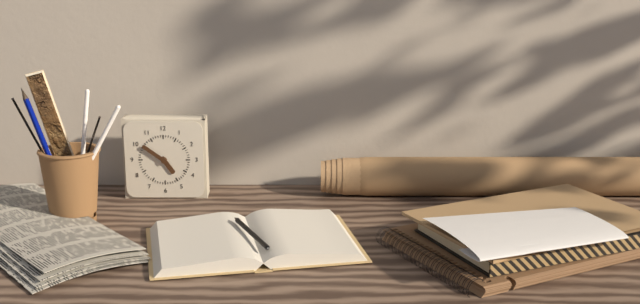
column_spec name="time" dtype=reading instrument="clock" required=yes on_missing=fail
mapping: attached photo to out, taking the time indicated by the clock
4:51
